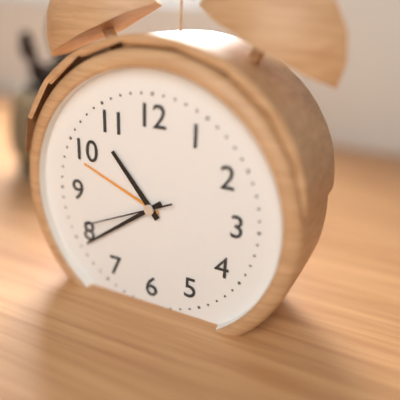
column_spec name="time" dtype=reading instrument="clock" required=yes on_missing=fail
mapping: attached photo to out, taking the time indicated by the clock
10:39:41
